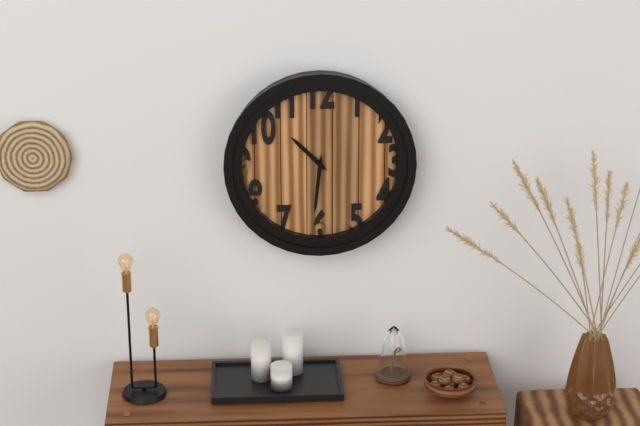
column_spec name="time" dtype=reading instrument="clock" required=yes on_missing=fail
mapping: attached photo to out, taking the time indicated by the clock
10:31
